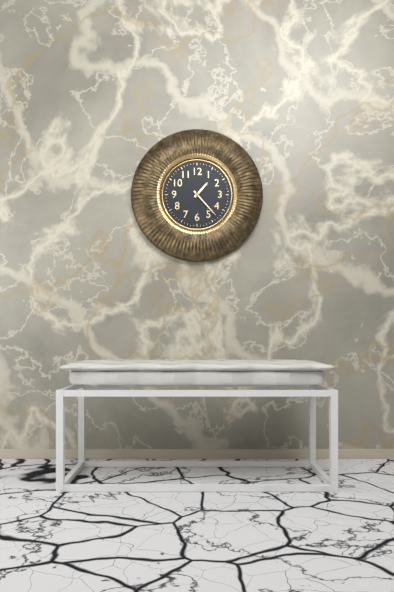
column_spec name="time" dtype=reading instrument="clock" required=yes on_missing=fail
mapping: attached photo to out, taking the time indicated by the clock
1:23
